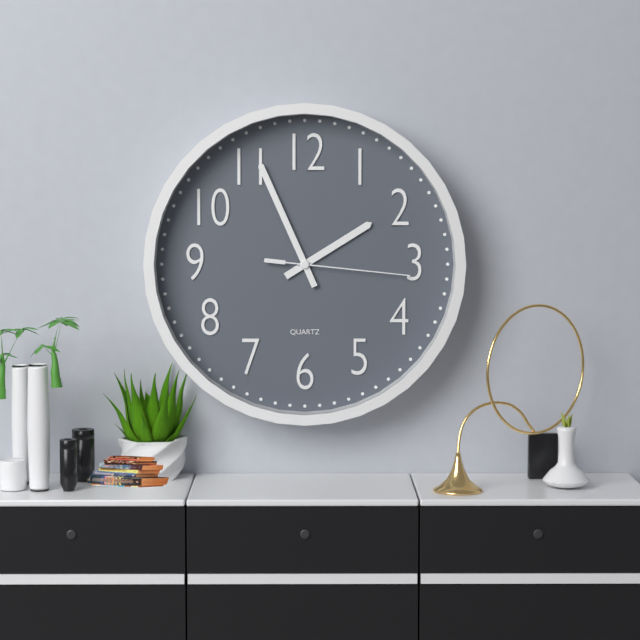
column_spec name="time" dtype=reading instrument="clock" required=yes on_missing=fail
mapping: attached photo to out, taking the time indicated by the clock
1:56:16
